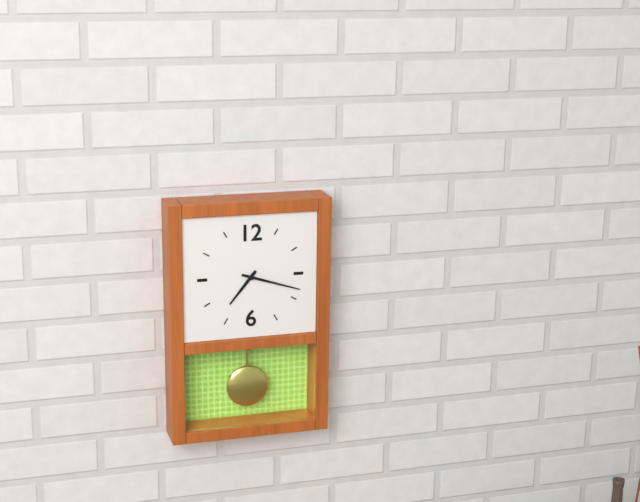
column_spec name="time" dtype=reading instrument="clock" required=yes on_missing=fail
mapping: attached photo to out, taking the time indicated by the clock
7:18
